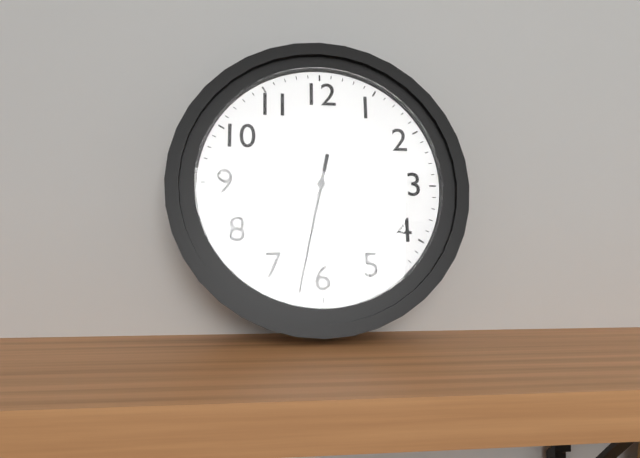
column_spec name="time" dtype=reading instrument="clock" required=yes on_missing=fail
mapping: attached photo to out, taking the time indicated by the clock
7:32
